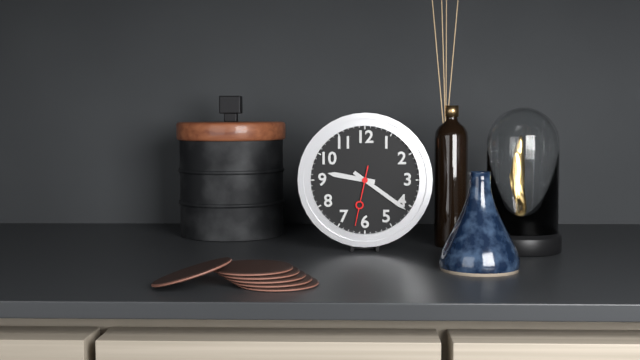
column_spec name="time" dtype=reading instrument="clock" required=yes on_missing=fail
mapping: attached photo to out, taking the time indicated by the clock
9:21:32
